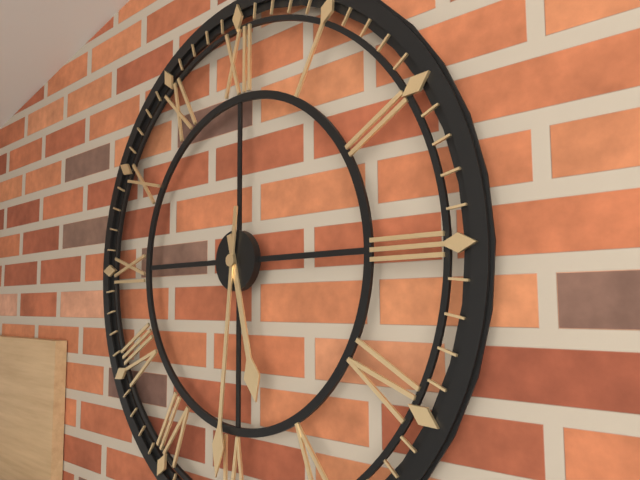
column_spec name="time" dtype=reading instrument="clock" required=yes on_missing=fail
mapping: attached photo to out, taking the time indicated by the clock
5:31
